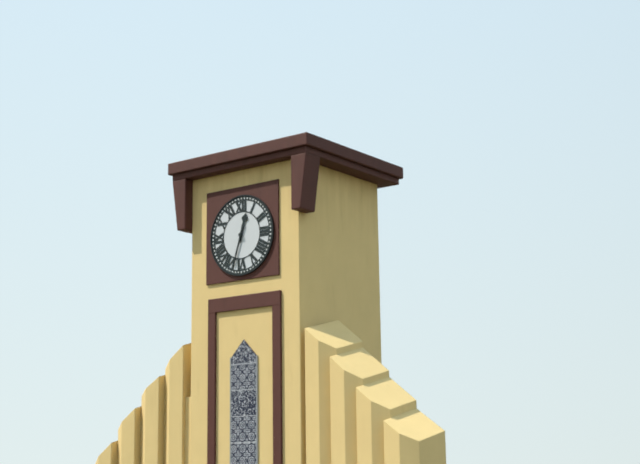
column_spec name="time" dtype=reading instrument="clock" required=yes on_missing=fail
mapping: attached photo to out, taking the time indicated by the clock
12:33
